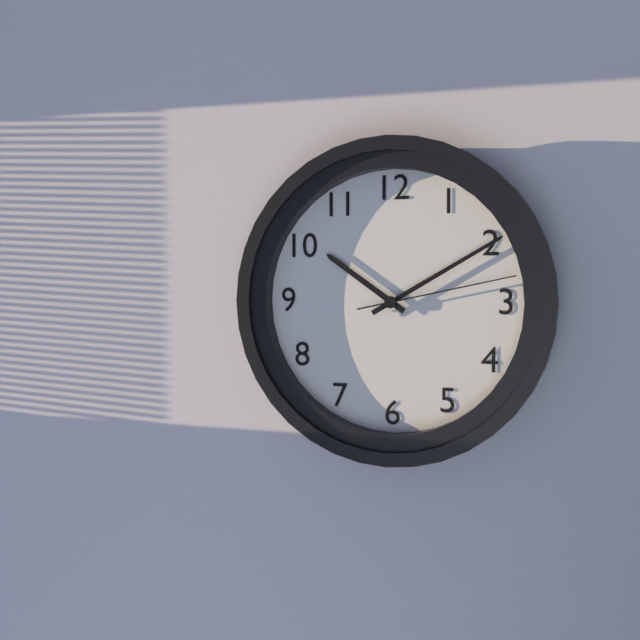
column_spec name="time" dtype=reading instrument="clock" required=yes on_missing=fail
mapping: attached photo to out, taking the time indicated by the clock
10:10:13
